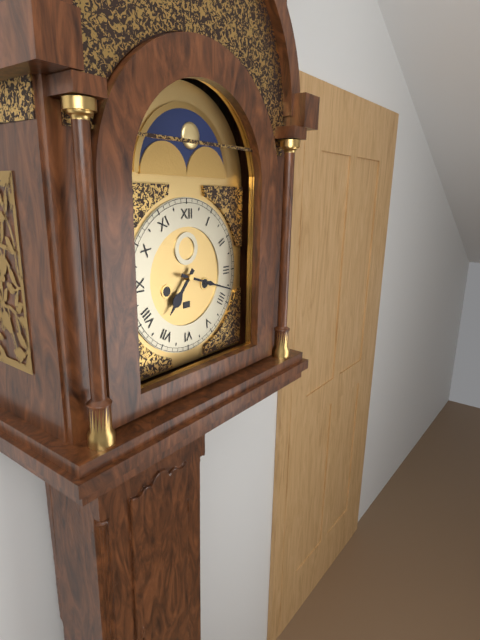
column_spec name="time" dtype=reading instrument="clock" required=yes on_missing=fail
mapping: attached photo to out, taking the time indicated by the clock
7:18
